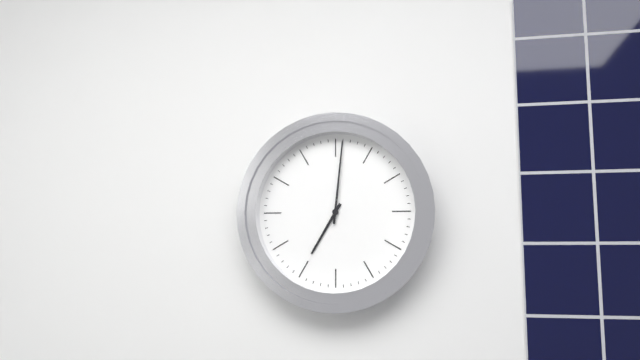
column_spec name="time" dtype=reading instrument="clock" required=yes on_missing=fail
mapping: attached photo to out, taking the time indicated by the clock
7:01
